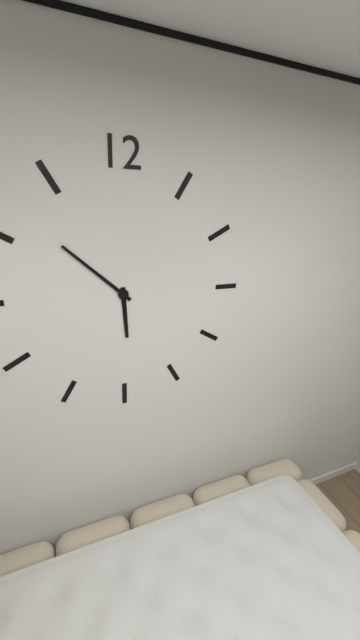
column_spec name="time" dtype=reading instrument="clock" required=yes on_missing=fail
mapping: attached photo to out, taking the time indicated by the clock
5:52
